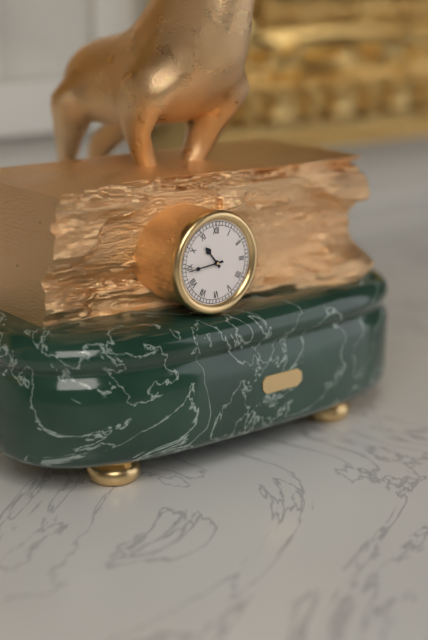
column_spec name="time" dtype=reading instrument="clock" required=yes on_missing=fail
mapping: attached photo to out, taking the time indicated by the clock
10:44
